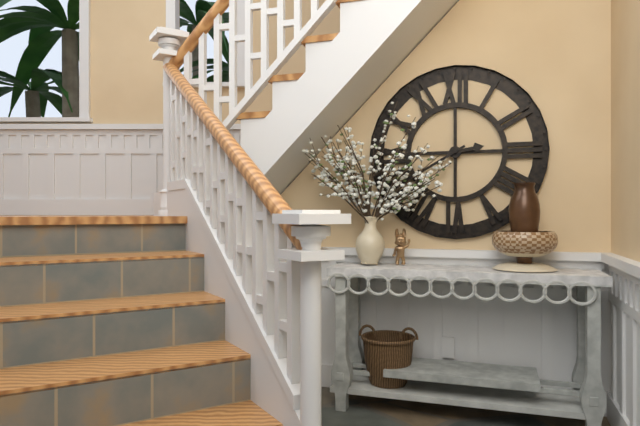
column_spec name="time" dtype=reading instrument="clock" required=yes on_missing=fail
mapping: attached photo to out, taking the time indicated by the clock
2:40
